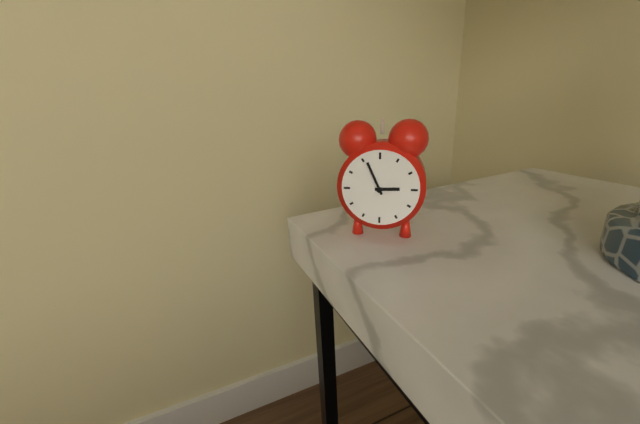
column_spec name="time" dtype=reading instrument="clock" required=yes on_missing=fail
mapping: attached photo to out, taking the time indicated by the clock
2:56
